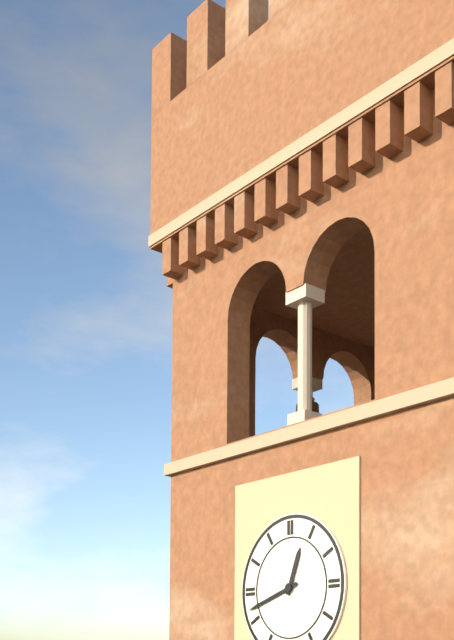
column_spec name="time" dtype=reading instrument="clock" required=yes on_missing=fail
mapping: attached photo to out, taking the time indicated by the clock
12:42
